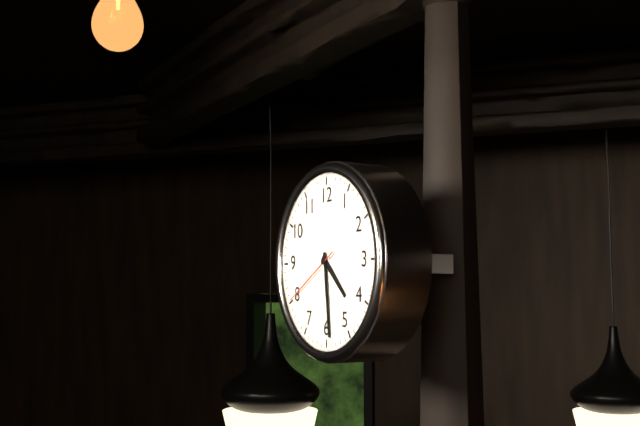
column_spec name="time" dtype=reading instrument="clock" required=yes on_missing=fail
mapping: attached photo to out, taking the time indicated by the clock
4:29:40
